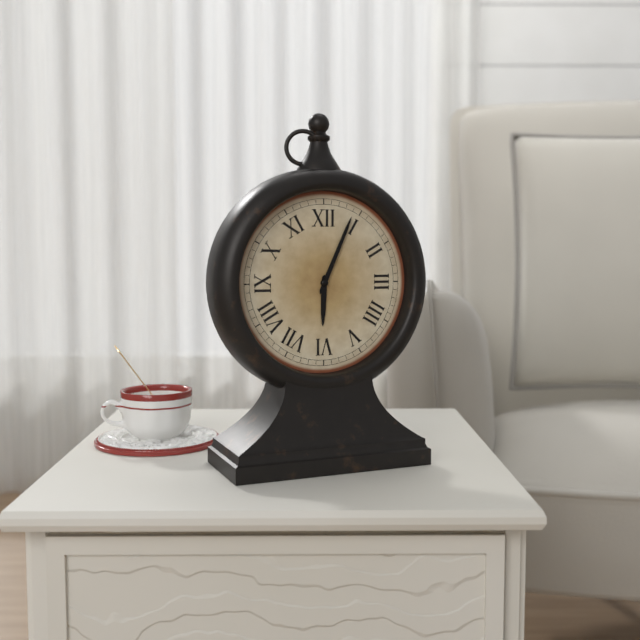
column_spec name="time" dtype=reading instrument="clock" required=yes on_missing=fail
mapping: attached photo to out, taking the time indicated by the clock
6:04
